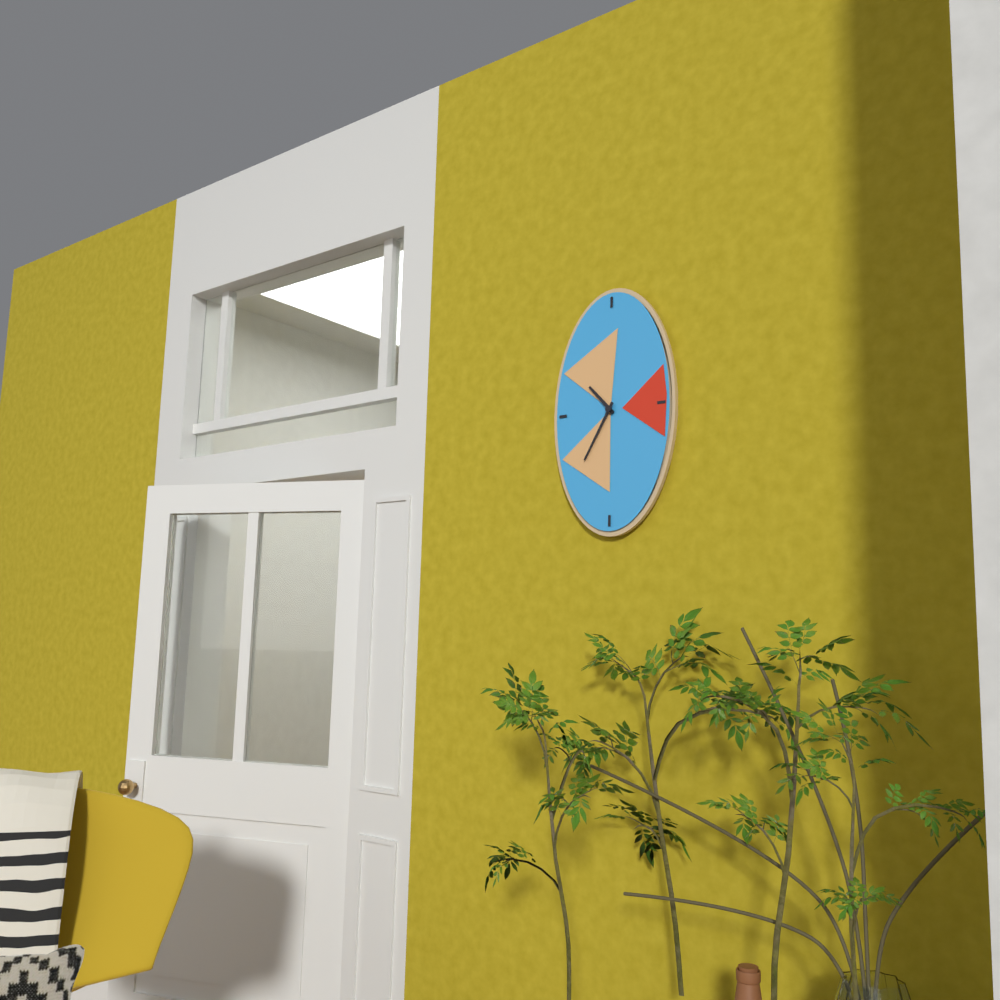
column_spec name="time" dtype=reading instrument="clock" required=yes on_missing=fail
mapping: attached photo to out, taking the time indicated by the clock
10:35
